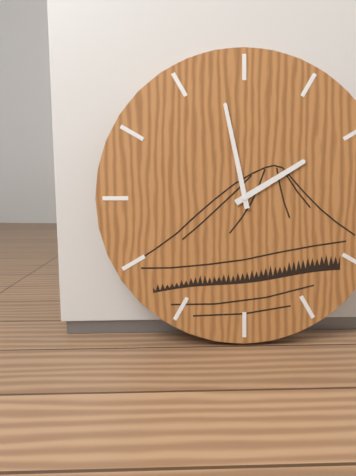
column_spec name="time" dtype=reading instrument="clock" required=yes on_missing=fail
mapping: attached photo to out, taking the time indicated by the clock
1:58
